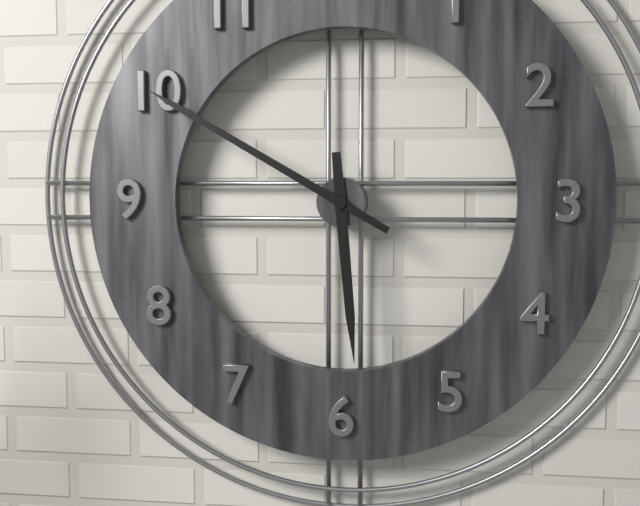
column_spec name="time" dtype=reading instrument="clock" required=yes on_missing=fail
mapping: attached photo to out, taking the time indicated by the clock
5:50
